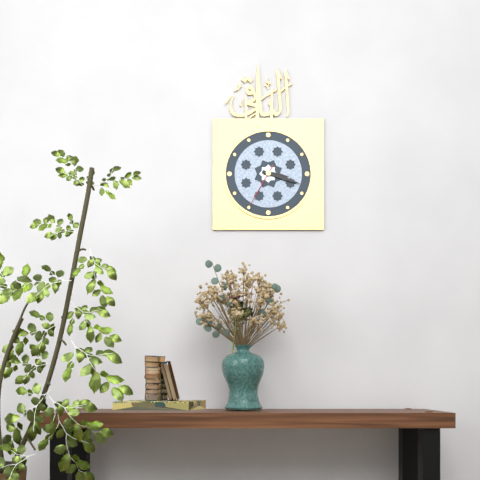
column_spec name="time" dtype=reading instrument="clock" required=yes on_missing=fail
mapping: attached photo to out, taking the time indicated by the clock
3:18
